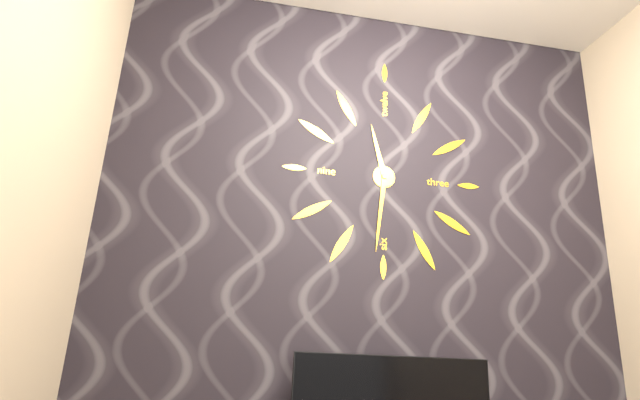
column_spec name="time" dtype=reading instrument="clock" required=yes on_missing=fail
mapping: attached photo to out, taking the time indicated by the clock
11:31
